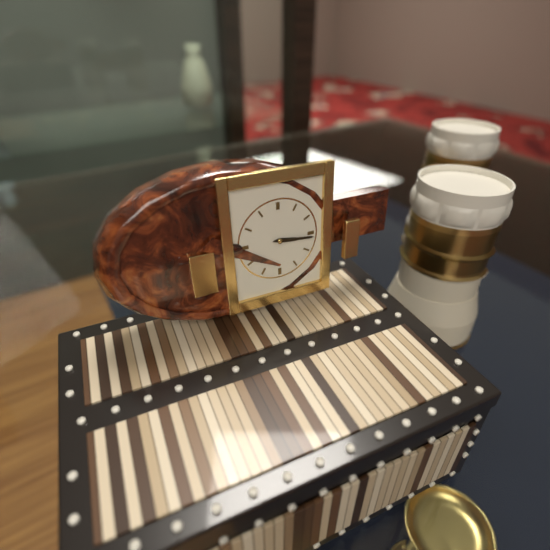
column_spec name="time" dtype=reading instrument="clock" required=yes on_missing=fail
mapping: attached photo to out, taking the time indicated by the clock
3:16
